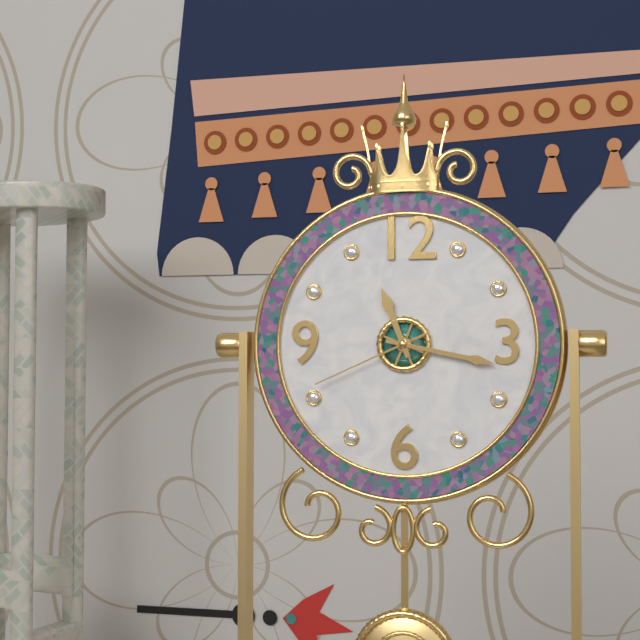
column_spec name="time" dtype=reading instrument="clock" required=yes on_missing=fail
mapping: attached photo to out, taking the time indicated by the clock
11:17:41
